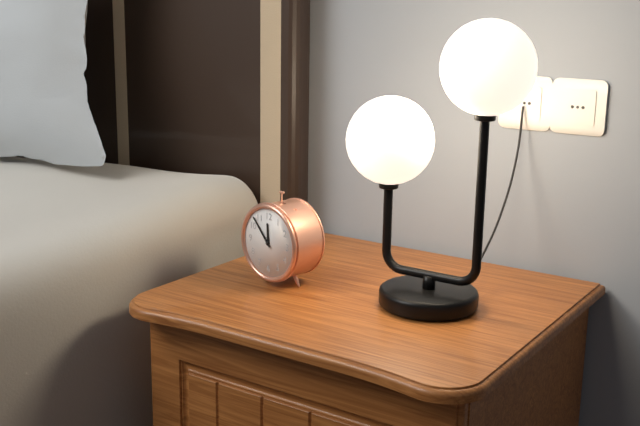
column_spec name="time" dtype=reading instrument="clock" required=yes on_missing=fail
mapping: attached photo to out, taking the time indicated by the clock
11:53
